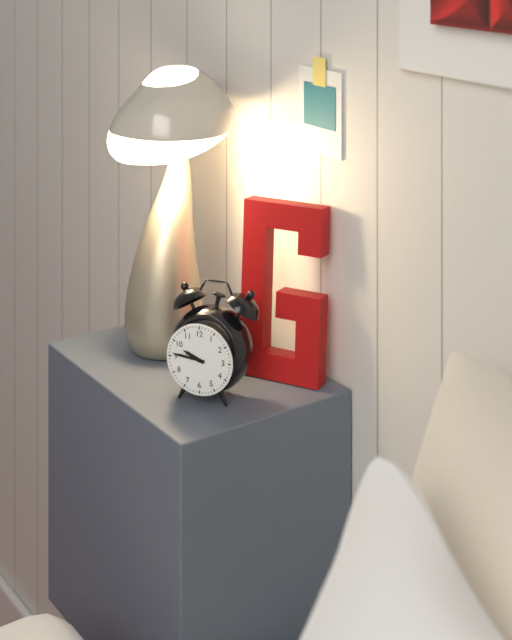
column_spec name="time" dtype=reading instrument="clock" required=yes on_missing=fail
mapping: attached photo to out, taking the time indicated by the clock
9:46
